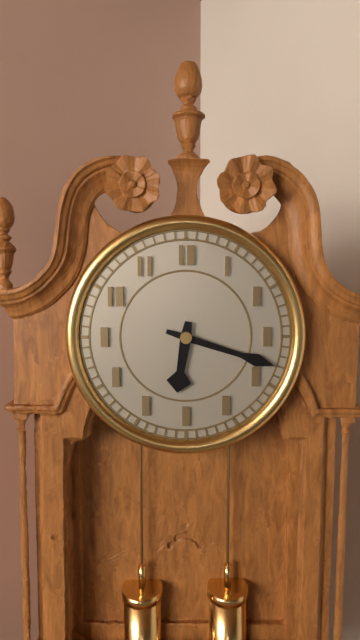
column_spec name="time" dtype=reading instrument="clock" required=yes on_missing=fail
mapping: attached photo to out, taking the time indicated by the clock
6:18
